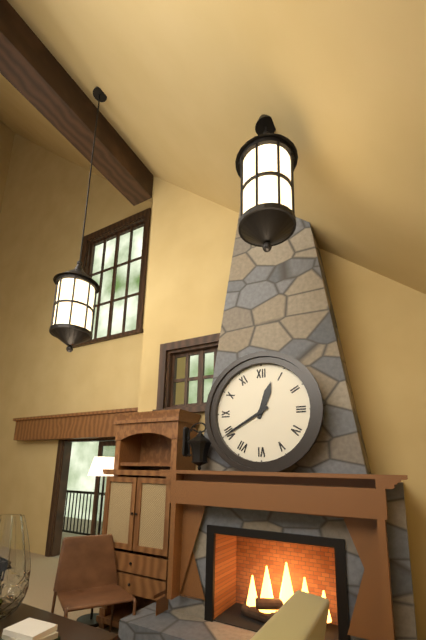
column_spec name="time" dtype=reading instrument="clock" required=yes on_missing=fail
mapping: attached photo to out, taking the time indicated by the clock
12:40
